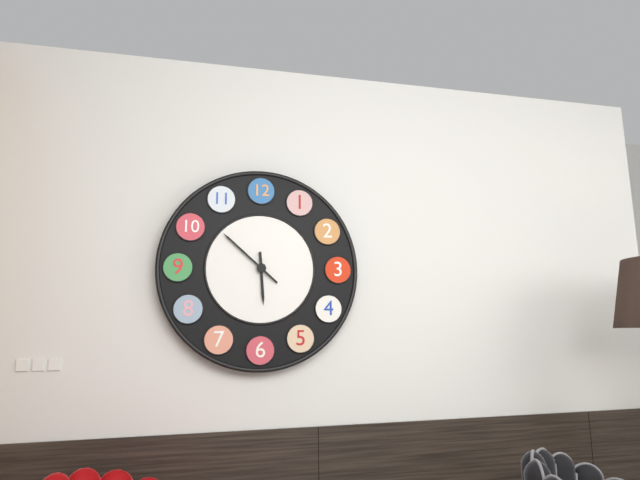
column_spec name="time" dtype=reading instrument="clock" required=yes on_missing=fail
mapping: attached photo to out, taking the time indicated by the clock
5:52
